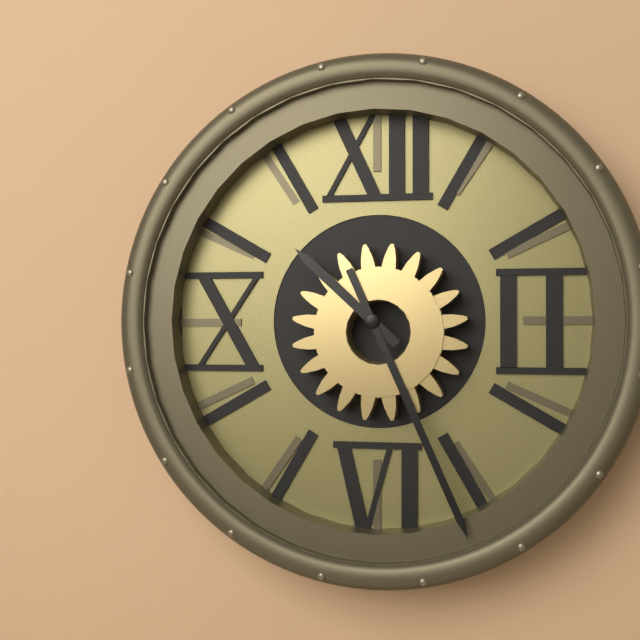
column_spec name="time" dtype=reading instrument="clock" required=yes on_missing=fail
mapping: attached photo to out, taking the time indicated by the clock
10:26
